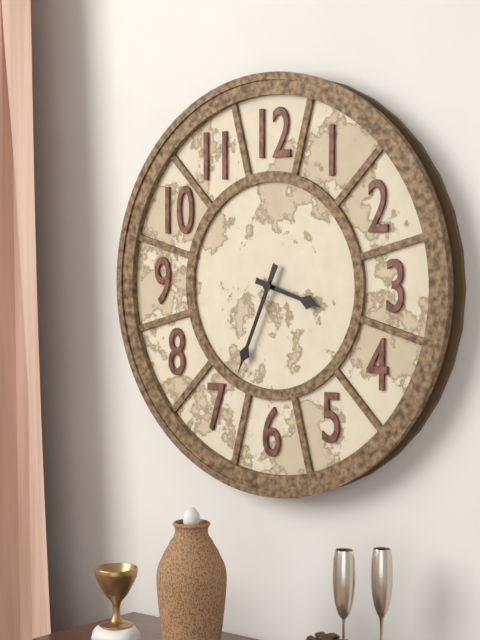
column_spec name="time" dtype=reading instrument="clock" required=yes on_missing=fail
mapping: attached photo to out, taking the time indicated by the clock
3:34
